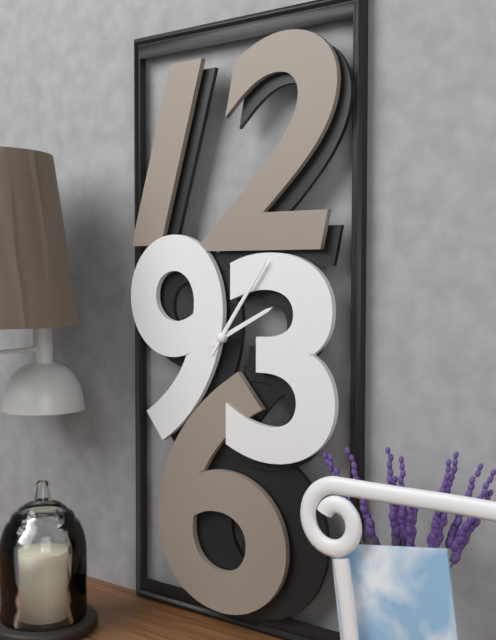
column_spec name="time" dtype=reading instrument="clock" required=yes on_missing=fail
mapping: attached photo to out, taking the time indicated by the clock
2:06
